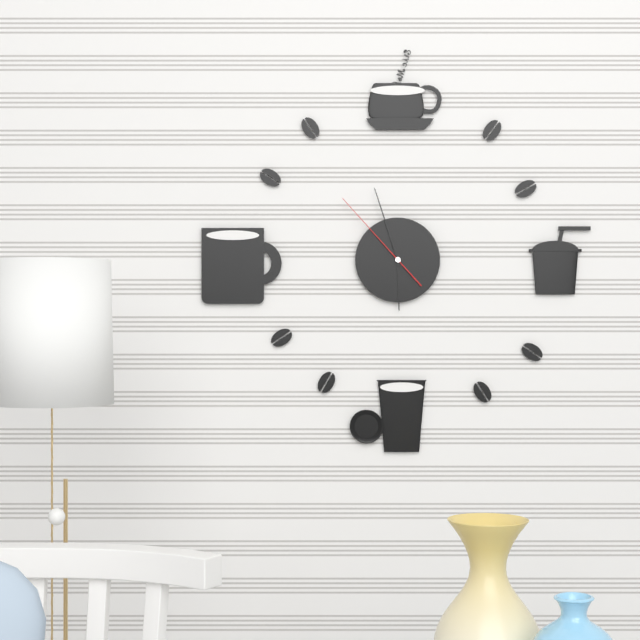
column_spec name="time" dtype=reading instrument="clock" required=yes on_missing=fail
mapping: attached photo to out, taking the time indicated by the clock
5:57:53
